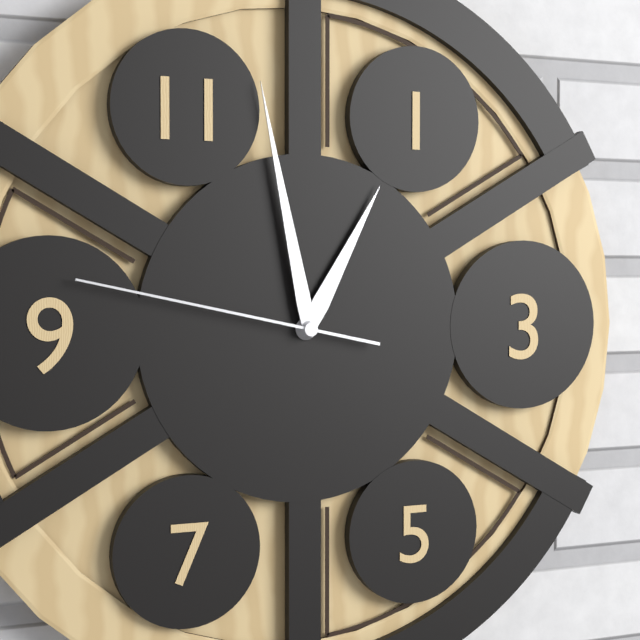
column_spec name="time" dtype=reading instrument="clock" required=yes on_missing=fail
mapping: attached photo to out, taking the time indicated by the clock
12:58:47
